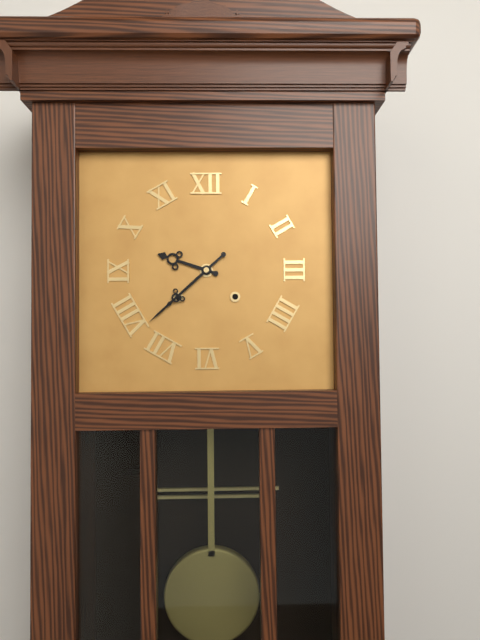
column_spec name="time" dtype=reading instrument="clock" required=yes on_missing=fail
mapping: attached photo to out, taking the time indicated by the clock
9:38
